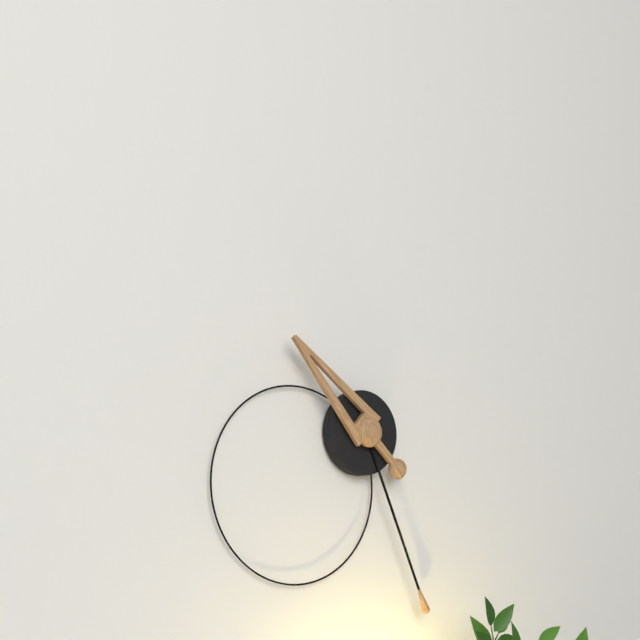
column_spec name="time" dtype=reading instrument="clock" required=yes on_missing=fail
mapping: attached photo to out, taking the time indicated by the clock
10:26
